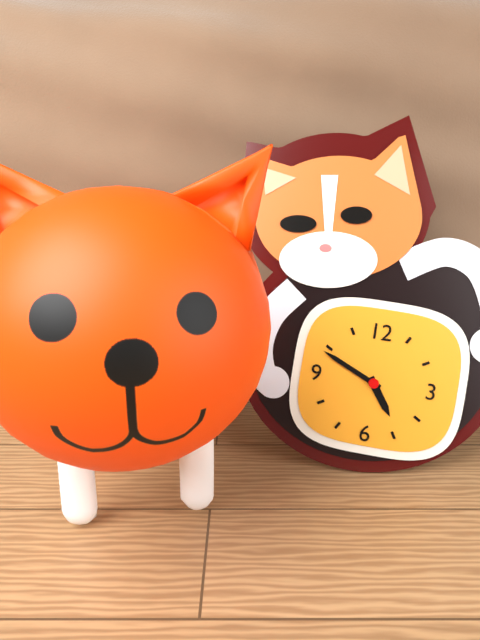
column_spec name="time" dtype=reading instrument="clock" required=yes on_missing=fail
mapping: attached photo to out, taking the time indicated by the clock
4:49
